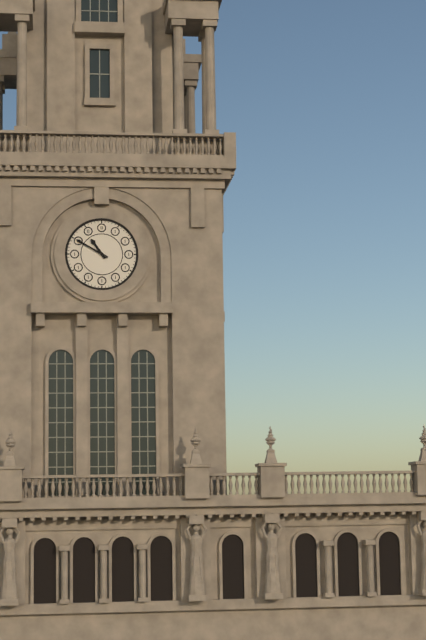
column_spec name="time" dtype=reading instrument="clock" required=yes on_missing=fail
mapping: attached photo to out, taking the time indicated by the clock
10:50
